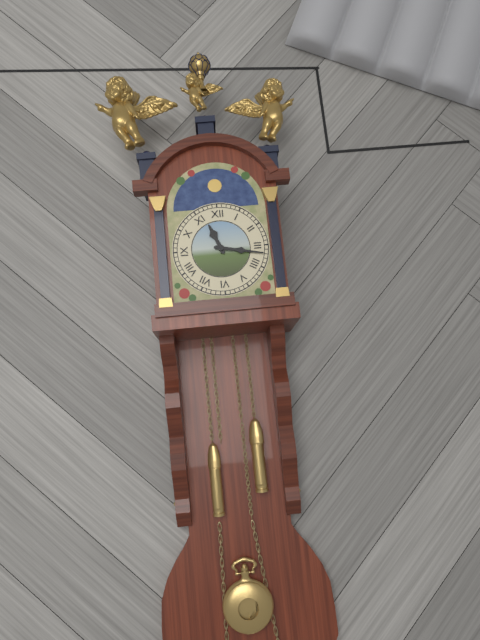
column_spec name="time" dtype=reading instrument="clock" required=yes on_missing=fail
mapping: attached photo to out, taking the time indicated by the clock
11:17
